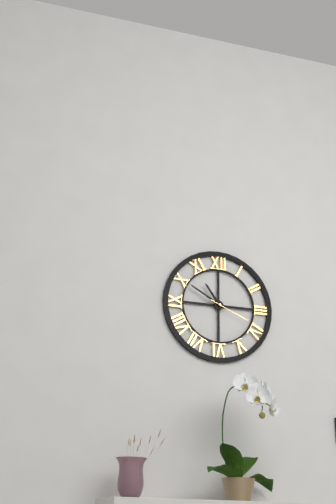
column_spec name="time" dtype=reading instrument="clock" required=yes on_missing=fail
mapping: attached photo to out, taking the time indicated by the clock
10:50
